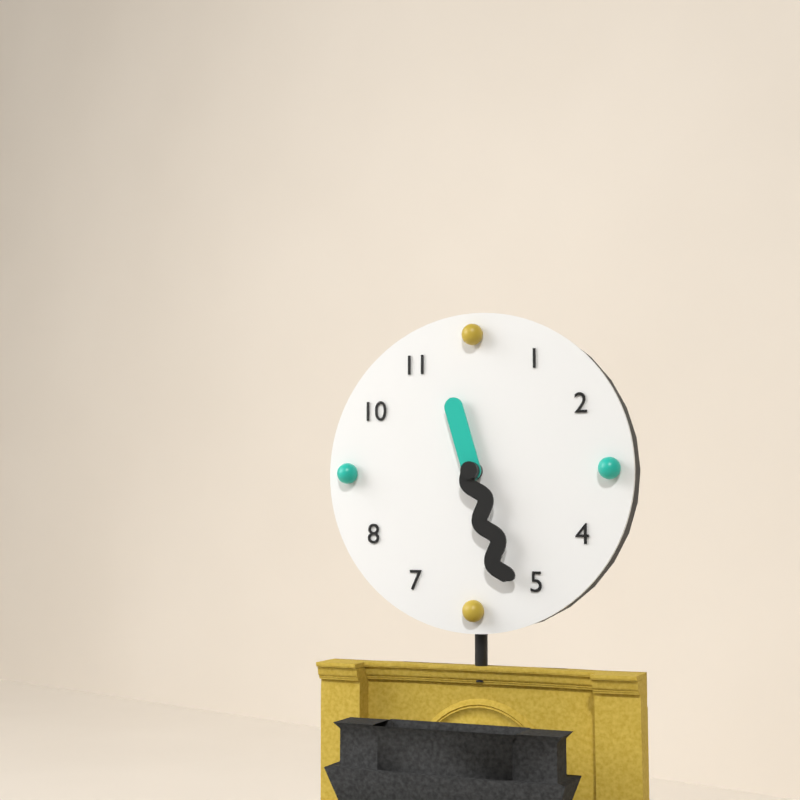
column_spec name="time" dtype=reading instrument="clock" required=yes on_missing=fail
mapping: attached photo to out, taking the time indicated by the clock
11:27
